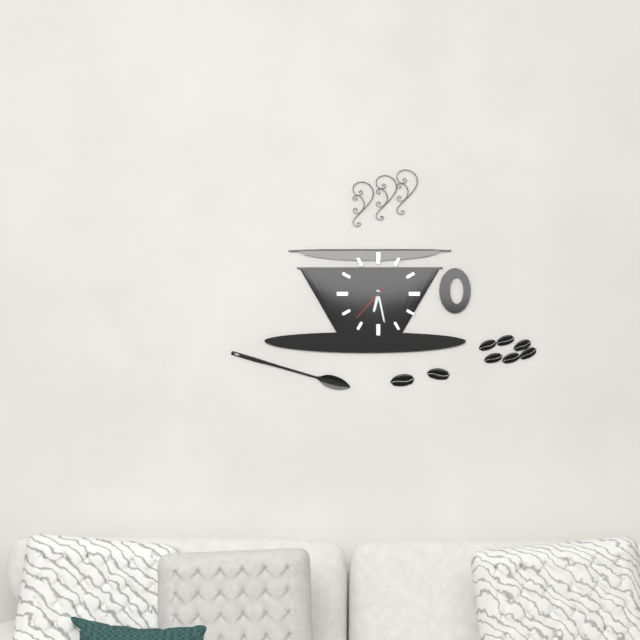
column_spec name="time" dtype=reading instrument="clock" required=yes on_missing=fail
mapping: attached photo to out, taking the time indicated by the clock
6:28
